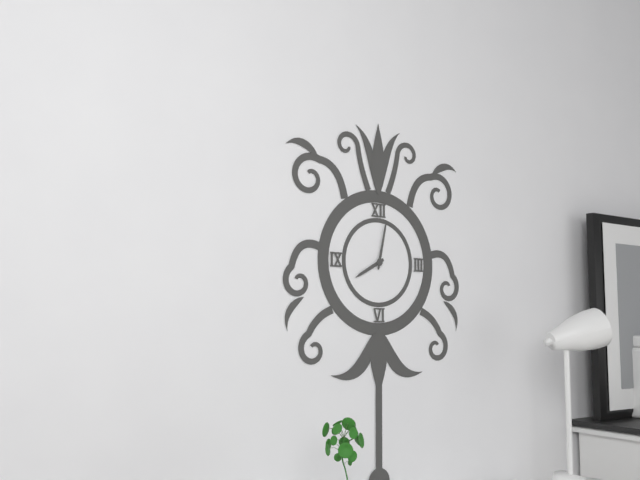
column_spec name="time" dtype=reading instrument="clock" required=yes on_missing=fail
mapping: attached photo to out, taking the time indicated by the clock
8:02
